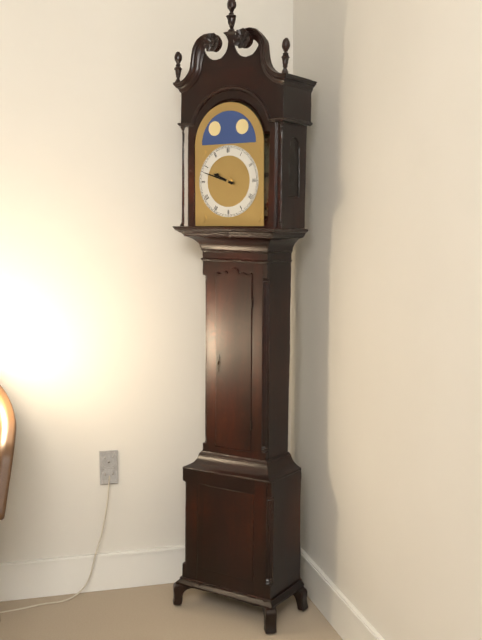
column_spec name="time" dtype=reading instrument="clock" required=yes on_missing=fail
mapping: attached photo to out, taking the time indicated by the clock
9:48
